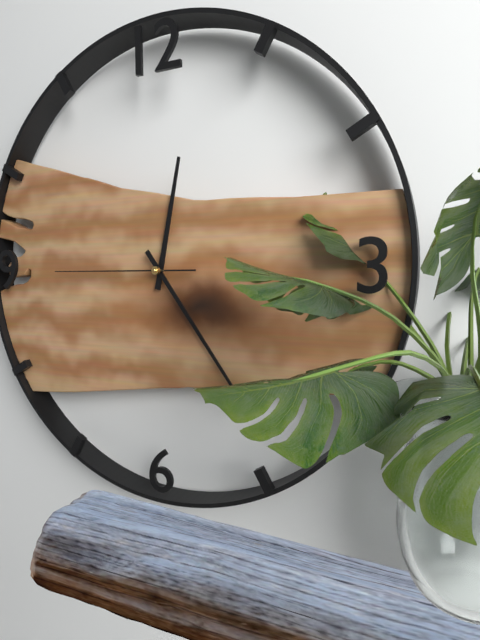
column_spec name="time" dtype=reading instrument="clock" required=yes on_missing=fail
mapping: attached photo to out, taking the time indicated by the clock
12:24:45
